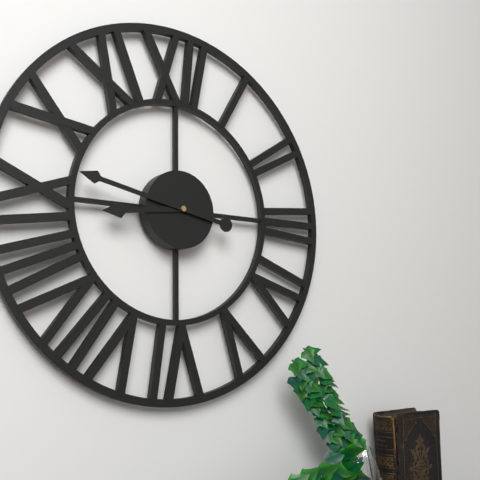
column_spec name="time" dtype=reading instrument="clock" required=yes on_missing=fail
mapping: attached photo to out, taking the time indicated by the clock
8:47
